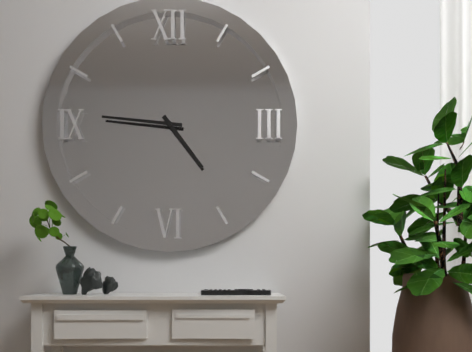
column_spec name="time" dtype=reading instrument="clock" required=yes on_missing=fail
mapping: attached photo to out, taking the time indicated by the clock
4:46
